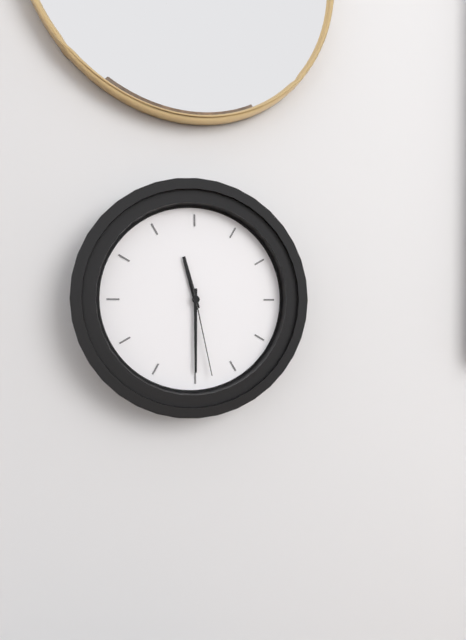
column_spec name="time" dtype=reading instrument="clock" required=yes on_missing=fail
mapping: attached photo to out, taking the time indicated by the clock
11:30:28
